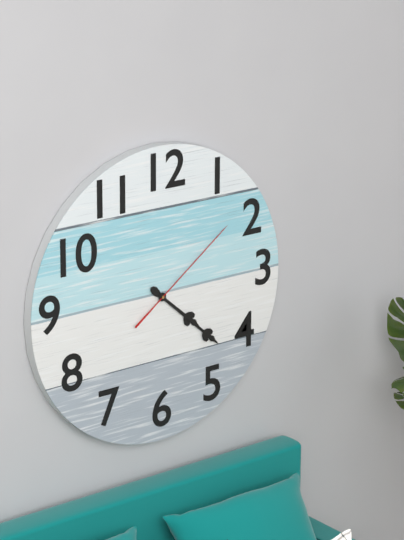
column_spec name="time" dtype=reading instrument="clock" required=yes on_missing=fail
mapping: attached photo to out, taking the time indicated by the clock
4:22:09
